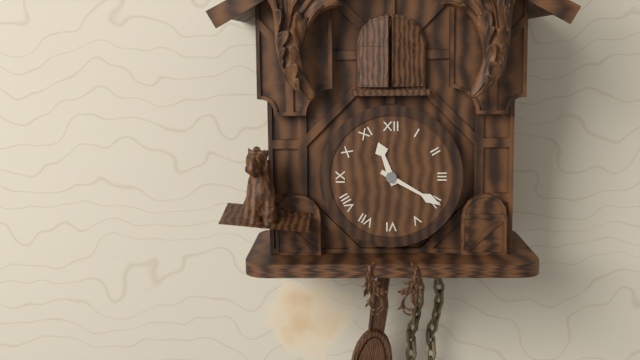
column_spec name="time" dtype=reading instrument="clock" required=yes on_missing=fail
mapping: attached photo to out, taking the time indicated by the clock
11:20
